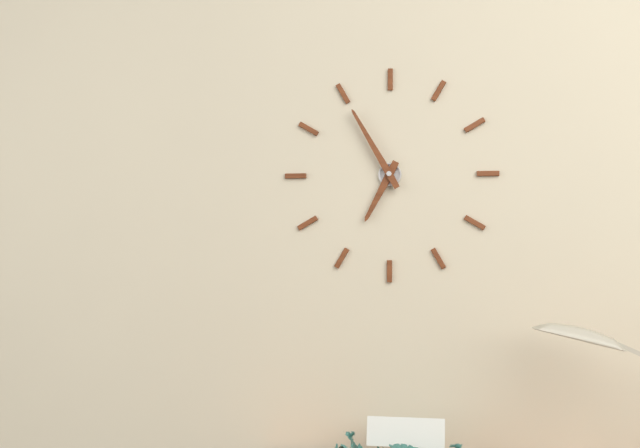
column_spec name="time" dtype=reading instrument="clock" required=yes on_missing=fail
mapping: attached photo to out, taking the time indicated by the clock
6:55
